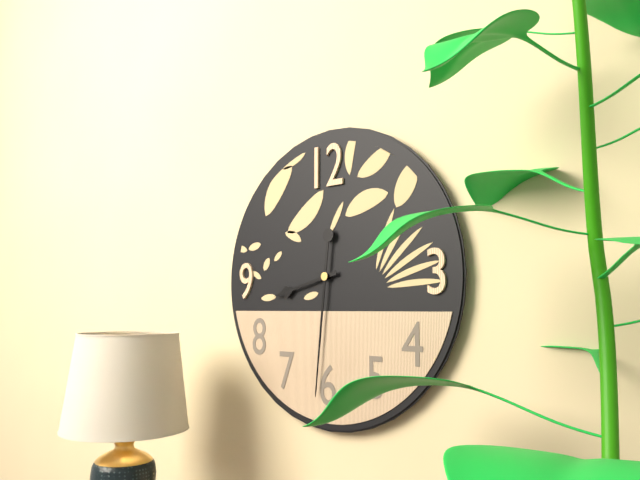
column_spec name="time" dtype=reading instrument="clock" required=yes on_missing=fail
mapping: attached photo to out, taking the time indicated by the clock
8:31
